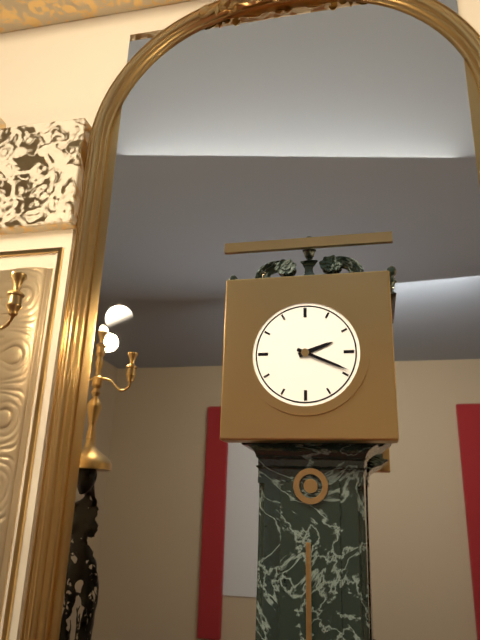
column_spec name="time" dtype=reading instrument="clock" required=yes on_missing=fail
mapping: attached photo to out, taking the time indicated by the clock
2:19
